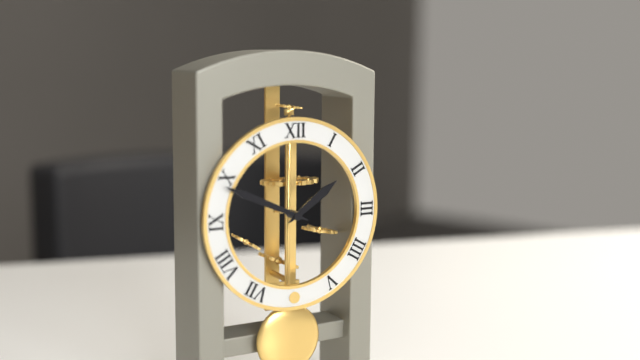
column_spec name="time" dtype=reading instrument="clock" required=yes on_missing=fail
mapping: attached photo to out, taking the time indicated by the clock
1:49
